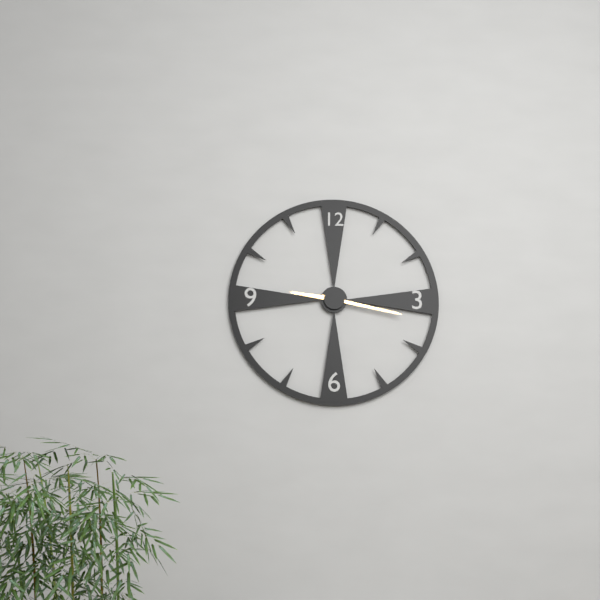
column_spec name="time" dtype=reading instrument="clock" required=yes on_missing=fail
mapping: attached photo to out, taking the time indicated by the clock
9:17
